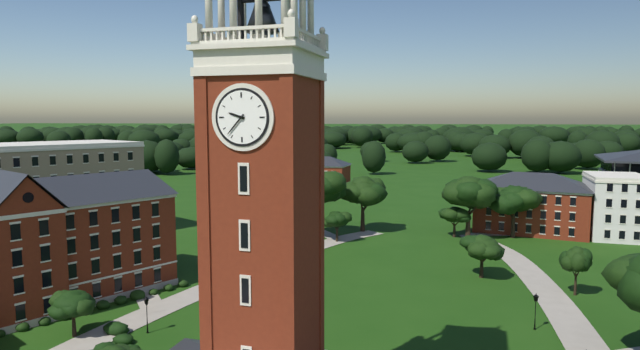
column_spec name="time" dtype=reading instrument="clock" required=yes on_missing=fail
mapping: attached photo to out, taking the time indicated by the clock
9:37
